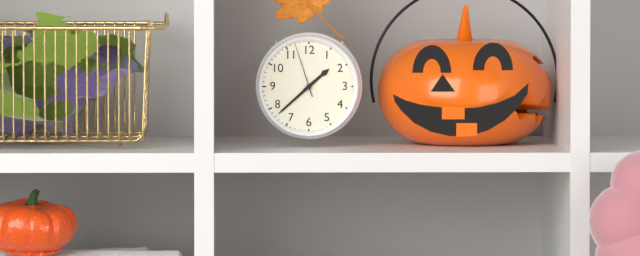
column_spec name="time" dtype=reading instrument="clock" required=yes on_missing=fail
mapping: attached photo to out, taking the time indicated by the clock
1:38:57
